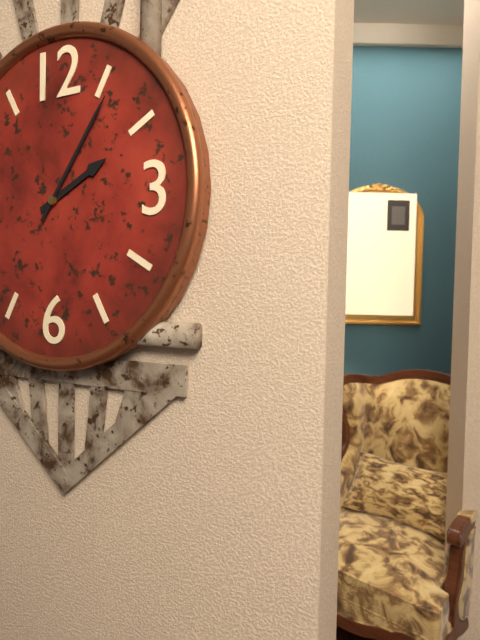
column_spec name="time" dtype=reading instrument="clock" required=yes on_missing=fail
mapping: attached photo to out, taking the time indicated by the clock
2:06
